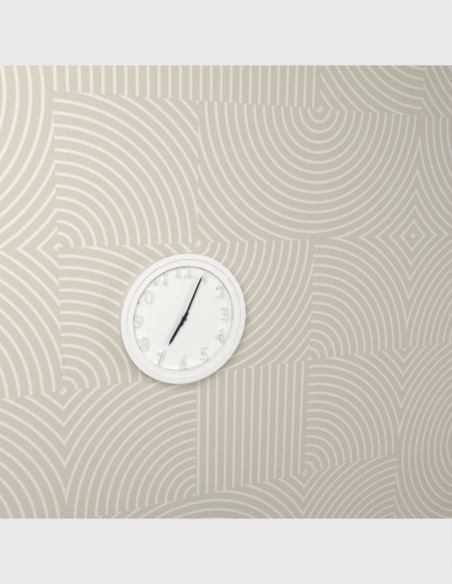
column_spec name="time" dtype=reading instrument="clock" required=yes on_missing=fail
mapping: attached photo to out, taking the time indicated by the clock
7:04
